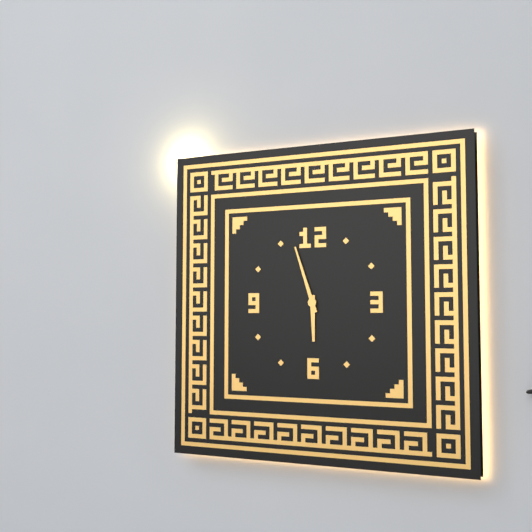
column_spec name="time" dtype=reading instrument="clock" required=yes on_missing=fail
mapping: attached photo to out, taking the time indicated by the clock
5:57
